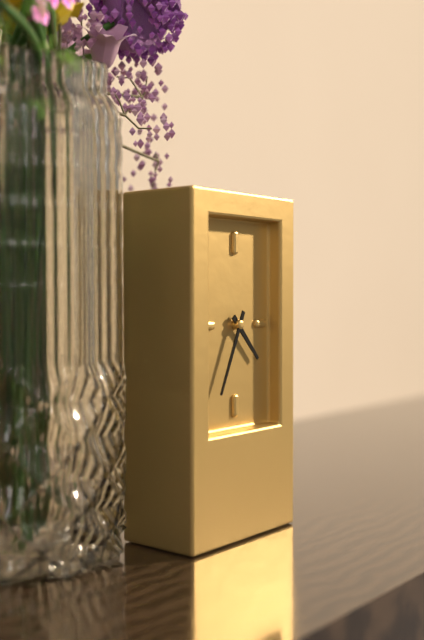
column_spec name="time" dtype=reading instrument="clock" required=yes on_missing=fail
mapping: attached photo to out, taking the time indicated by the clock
4:34
